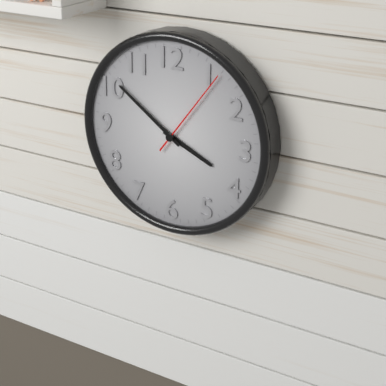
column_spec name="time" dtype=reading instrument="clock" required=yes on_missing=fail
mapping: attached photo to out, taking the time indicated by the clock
3:51:06
